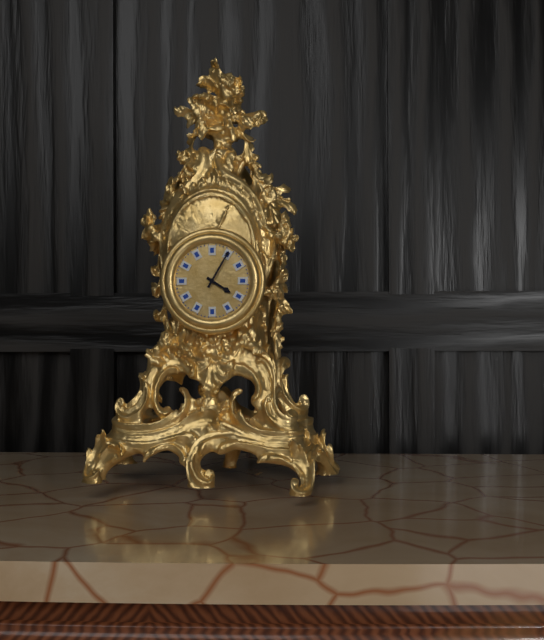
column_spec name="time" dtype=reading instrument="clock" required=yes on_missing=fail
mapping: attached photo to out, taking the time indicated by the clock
4:05
